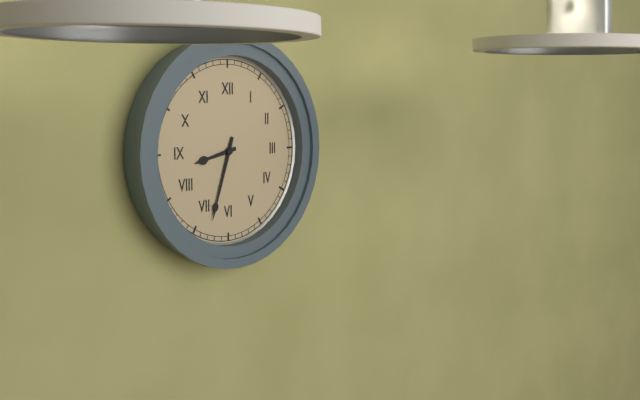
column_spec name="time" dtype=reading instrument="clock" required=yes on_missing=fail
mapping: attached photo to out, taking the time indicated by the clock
8:33
